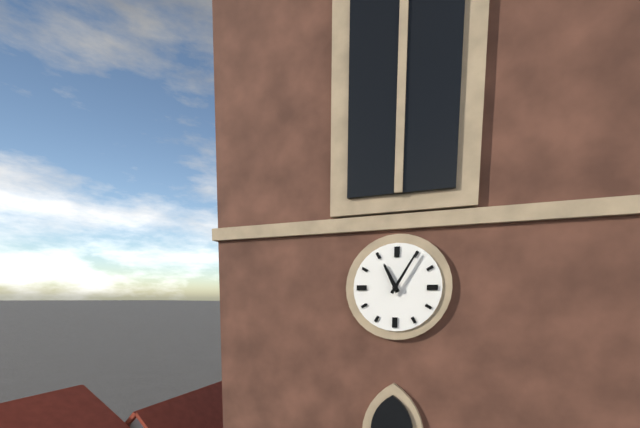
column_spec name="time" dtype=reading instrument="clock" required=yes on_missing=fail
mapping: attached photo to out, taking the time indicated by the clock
11:05
